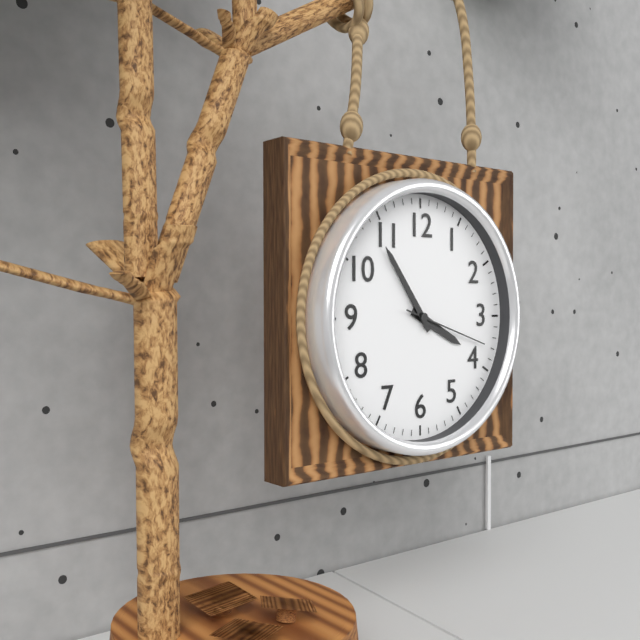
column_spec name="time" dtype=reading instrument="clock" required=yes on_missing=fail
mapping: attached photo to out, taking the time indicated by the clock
3:54:18
